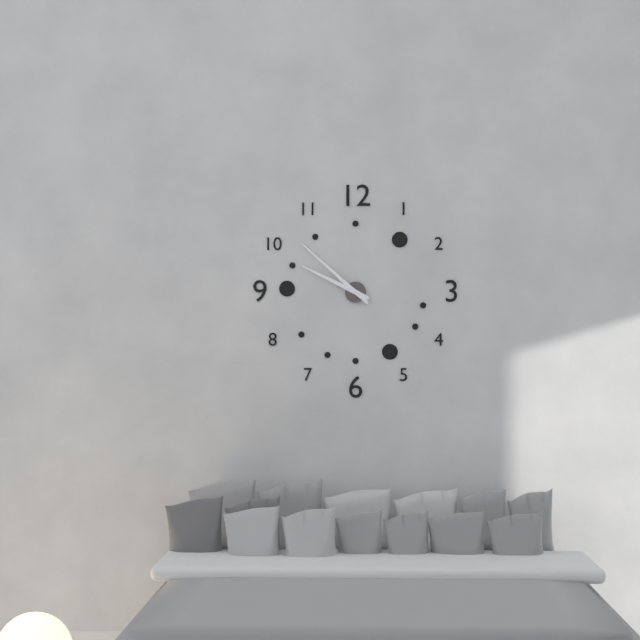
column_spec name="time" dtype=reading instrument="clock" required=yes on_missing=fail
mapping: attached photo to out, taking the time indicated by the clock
9:52
